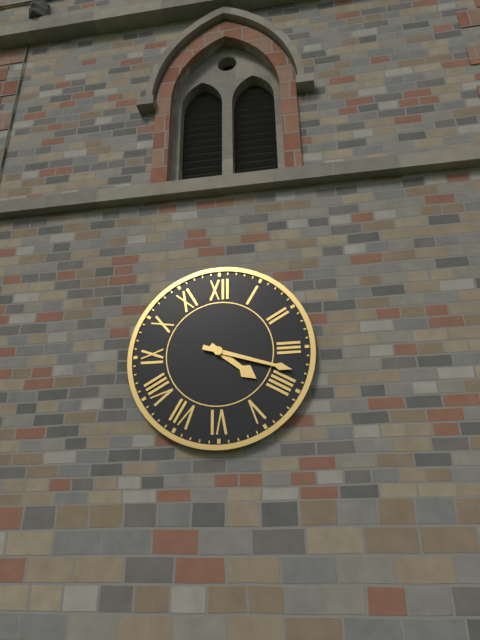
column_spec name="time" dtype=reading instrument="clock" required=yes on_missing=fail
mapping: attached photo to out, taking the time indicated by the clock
4:18
